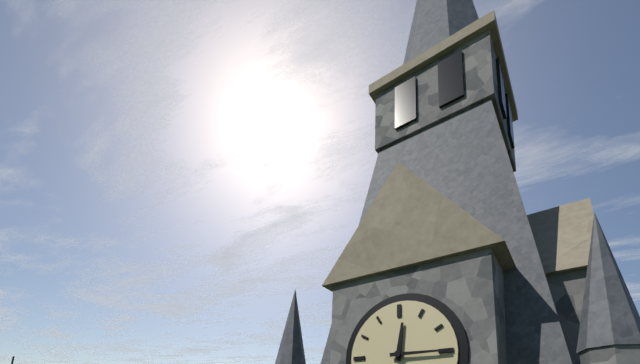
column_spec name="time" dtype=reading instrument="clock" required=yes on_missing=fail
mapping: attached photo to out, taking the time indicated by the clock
12:15
